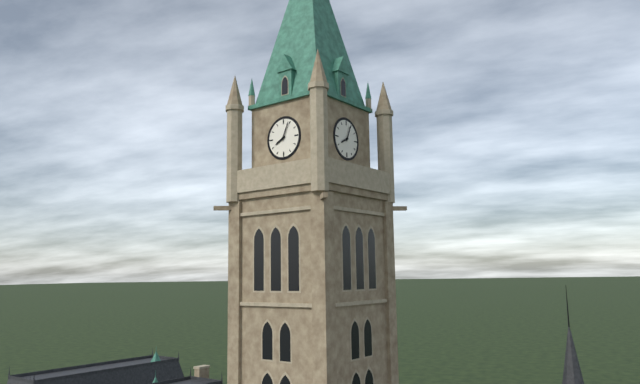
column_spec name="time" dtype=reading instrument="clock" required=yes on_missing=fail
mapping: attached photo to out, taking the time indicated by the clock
8:04
